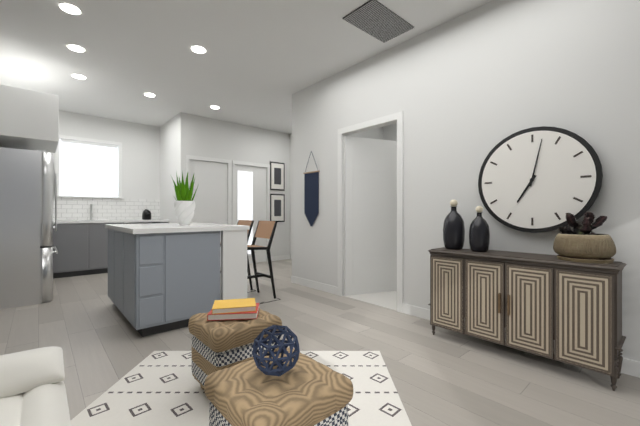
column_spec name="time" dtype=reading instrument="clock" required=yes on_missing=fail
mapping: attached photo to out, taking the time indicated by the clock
7:02
